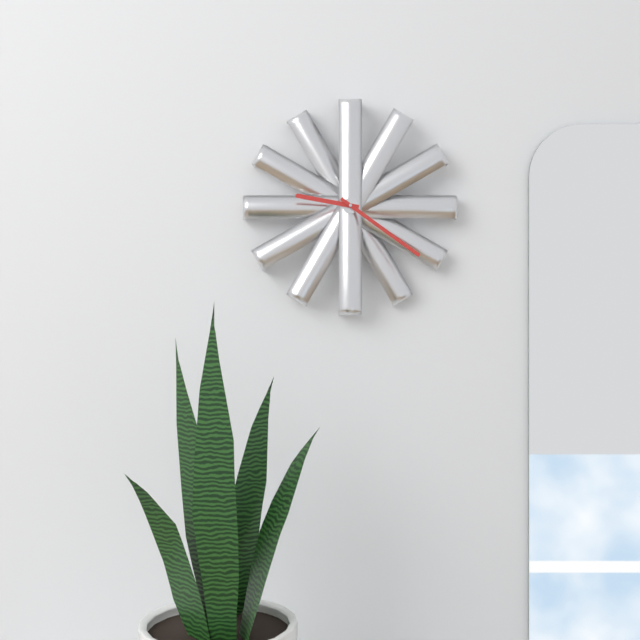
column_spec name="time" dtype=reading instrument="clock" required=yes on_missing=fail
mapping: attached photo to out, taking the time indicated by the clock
9:21
